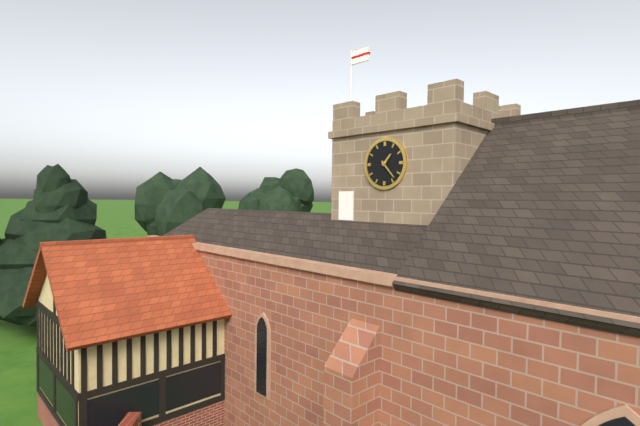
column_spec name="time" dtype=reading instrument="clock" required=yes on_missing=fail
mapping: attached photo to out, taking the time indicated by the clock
1:23
